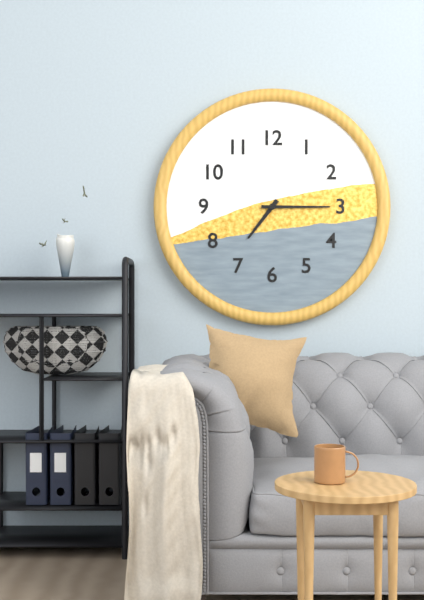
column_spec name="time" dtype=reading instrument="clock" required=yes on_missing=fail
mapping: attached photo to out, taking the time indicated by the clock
7:15
